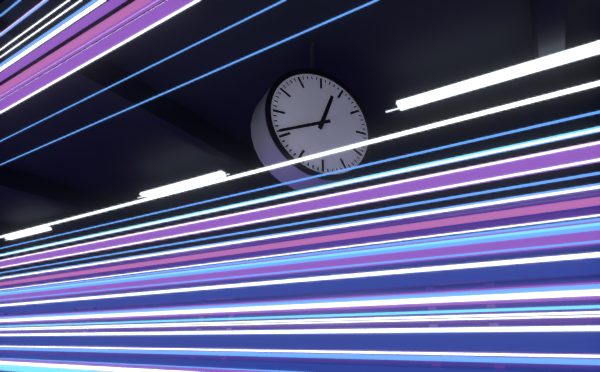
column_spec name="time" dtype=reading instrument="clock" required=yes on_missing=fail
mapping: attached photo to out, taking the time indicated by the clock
12:41
